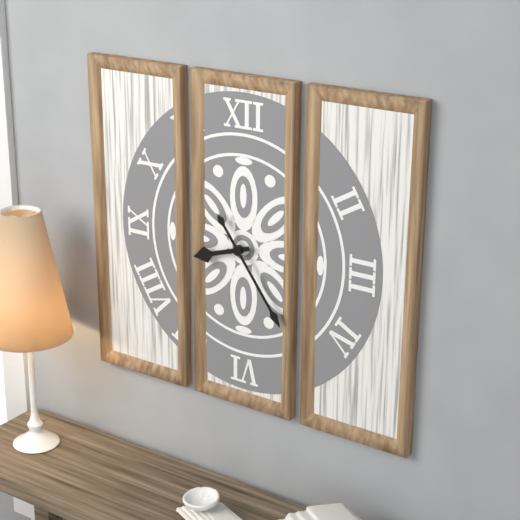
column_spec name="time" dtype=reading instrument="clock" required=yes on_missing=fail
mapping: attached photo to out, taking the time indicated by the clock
8:24
